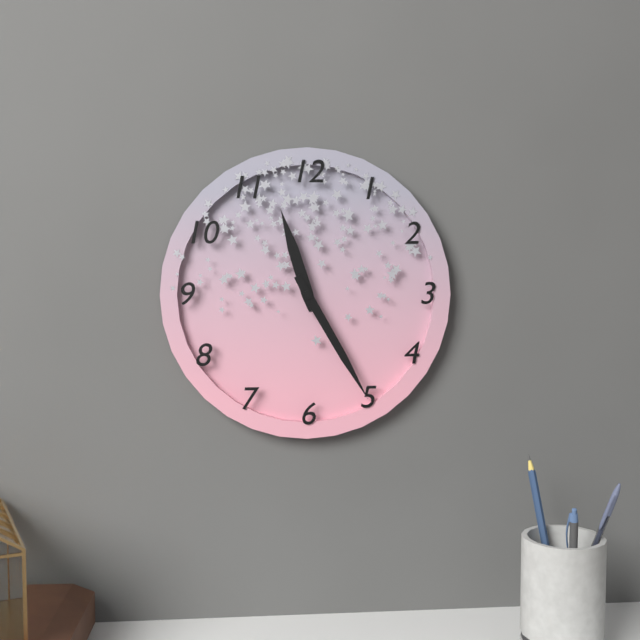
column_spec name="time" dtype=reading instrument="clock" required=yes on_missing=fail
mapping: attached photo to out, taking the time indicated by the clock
11:25
